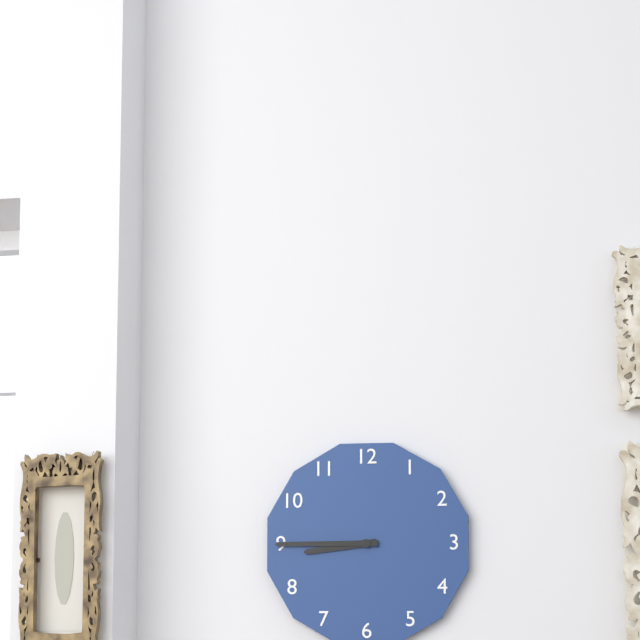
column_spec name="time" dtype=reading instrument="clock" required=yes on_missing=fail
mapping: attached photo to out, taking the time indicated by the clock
8:45
